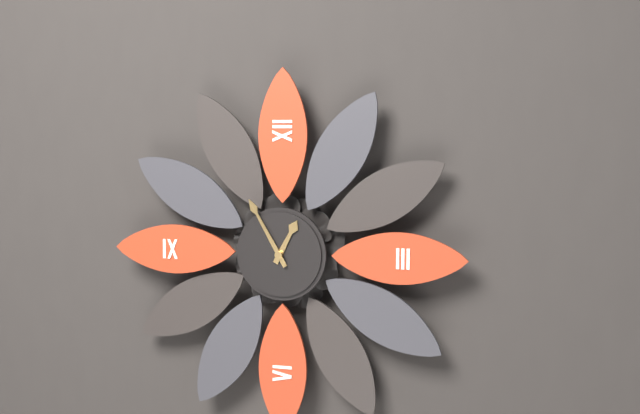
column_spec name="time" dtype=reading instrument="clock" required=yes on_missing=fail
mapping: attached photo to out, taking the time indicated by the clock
12:55
